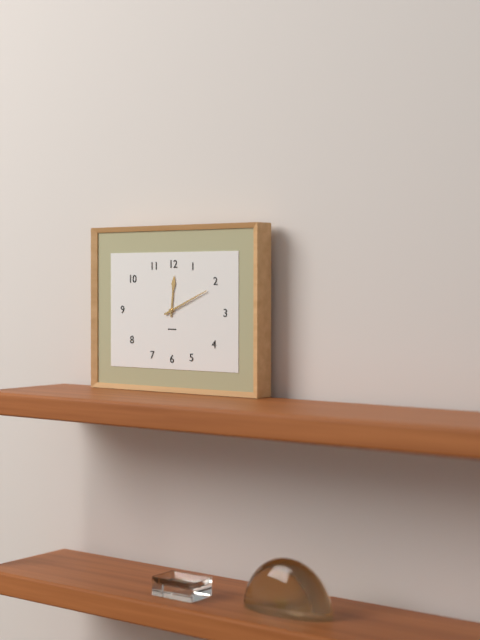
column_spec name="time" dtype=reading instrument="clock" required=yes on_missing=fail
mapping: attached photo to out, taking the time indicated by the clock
12:11
